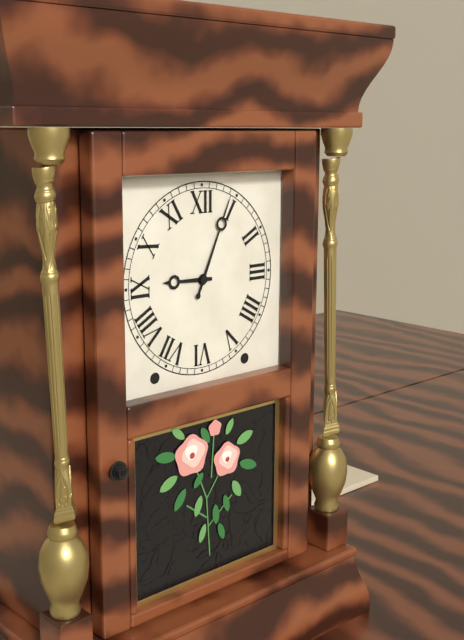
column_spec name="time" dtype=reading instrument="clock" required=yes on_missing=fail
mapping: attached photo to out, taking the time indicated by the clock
9:04
